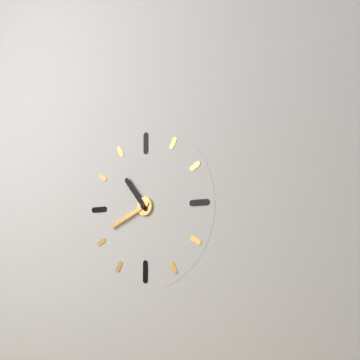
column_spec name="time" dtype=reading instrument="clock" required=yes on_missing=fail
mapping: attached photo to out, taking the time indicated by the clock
10:41
